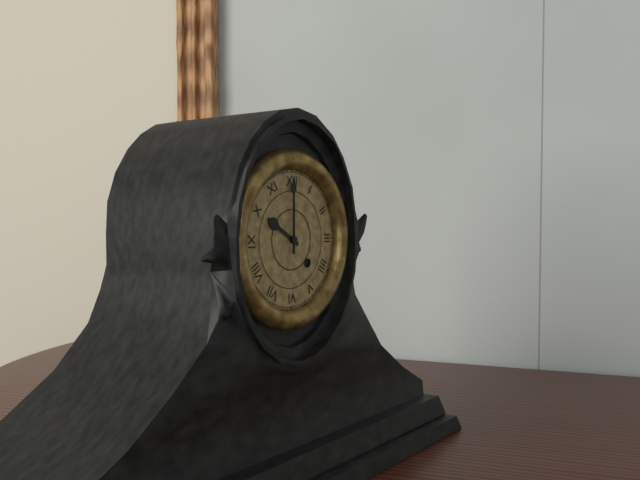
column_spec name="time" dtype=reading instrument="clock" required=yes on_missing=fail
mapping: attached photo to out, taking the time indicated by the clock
10:00
